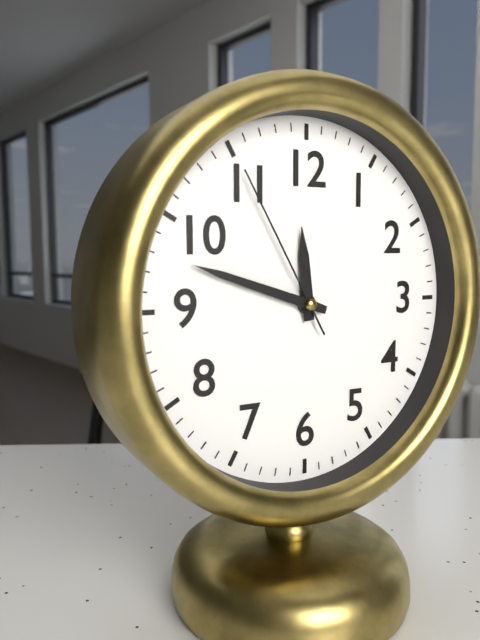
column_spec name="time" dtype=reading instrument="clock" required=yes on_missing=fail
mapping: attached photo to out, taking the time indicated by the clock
11:48:55
